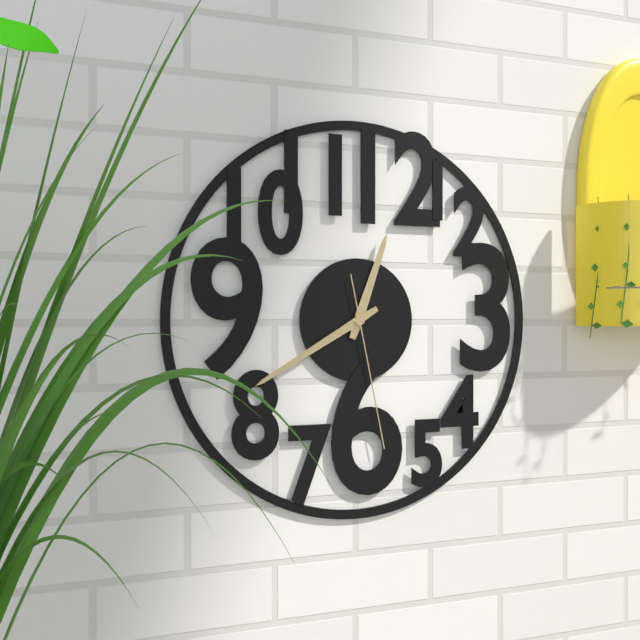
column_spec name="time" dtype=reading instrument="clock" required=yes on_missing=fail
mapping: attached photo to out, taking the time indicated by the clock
12:40:28
